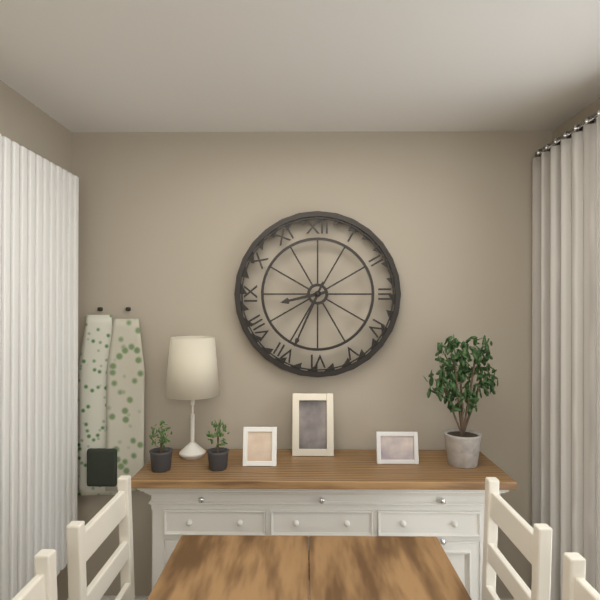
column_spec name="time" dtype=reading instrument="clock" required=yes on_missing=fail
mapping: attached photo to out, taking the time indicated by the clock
8:34
